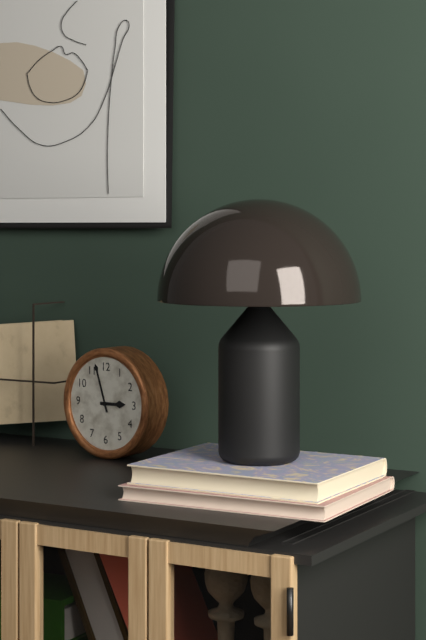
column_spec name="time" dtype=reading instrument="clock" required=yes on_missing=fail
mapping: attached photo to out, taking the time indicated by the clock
2:57
